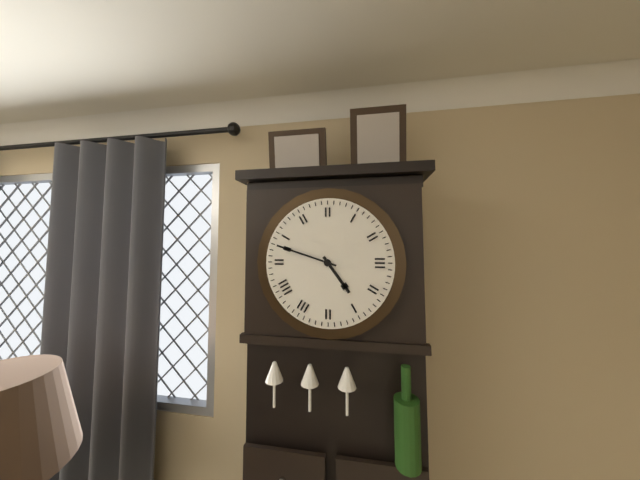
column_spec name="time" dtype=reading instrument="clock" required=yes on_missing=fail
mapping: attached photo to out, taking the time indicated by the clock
4:48
